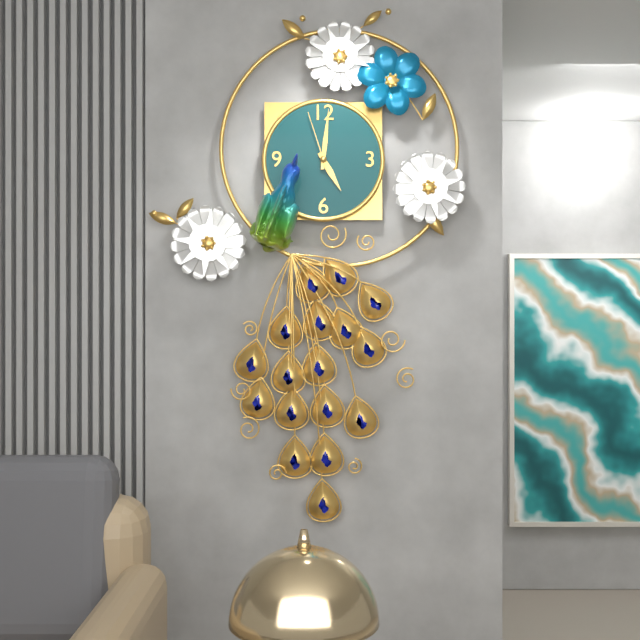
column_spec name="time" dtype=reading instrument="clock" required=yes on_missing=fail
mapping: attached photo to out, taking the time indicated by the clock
5:01:57
